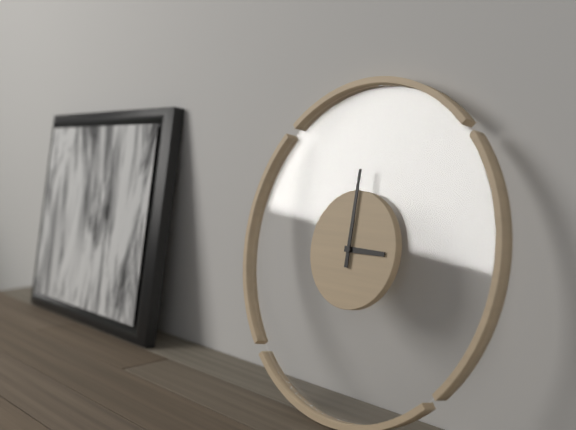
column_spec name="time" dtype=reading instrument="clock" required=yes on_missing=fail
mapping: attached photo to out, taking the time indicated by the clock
3:00
